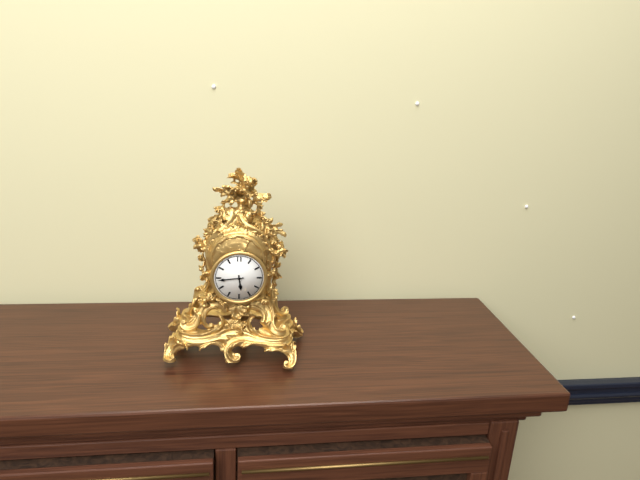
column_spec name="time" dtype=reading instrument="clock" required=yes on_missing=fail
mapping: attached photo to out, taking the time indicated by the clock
5:44
